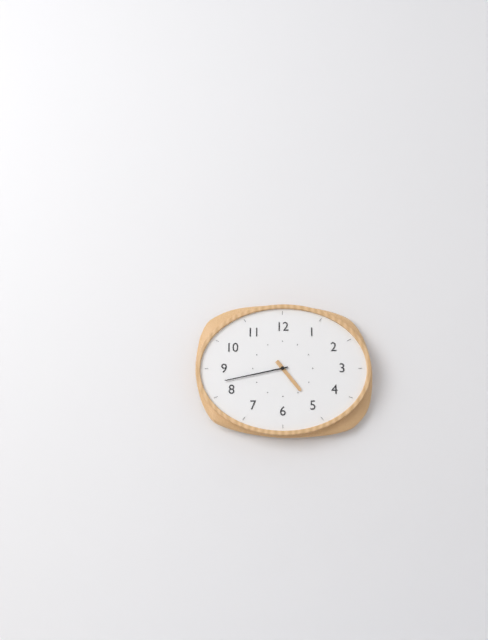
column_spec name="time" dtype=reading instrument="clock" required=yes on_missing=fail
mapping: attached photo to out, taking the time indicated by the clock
4:43
